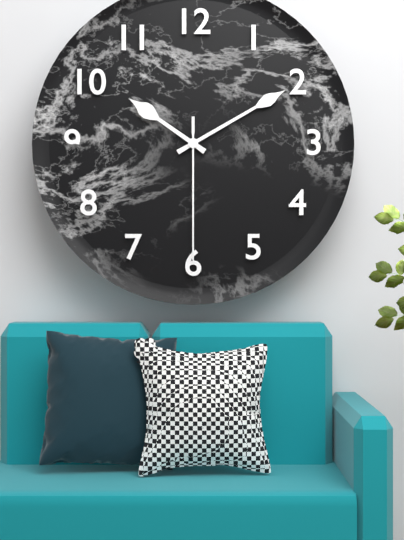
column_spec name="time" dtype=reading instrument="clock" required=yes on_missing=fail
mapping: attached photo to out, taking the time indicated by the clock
10:10:30
